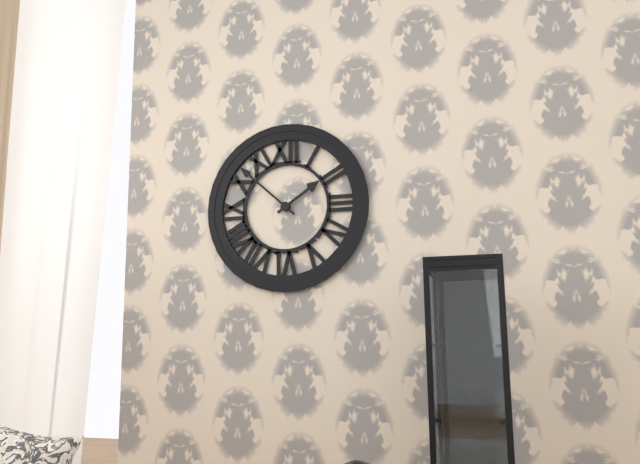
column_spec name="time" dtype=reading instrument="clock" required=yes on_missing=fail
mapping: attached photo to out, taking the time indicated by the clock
1:52
